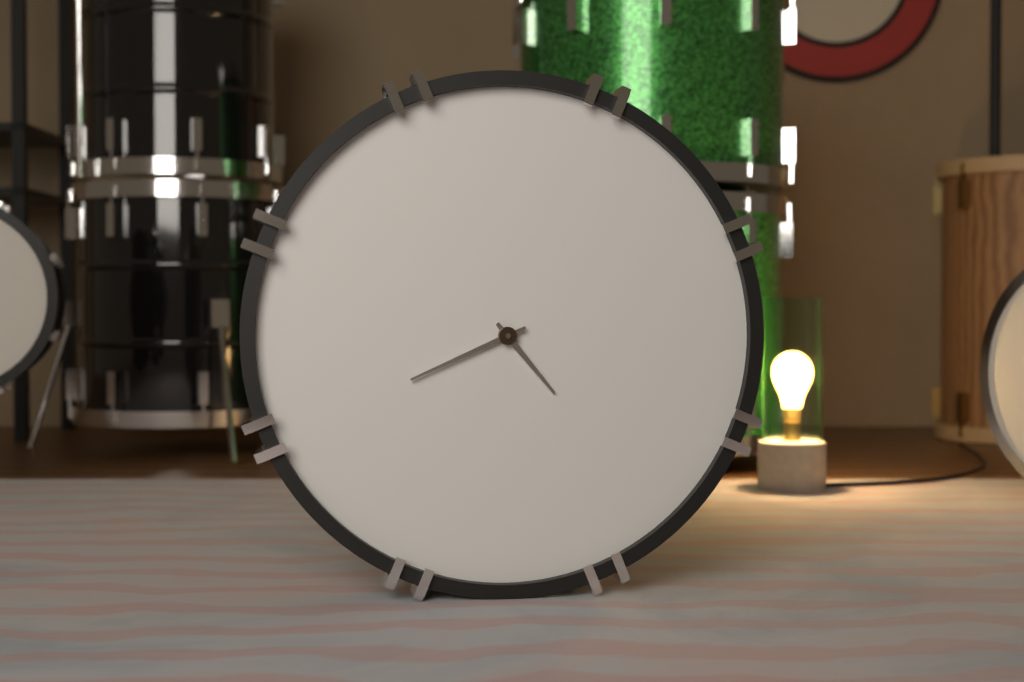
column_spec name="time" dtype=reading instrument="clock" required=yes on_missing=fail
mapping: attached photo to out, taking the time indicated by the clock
4:41
